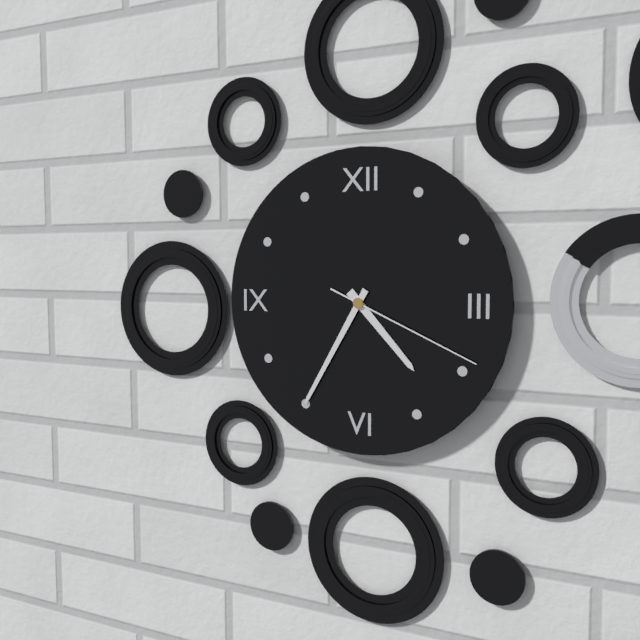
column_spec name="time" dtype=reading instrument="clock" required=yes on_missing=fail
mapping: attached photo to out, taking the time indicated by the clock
4:35:19
